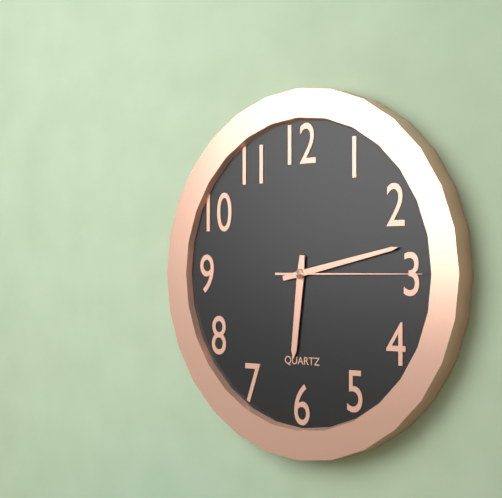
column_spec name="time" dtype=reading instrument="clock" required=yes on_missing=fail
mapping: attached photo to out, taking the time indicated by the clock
6:13:15
